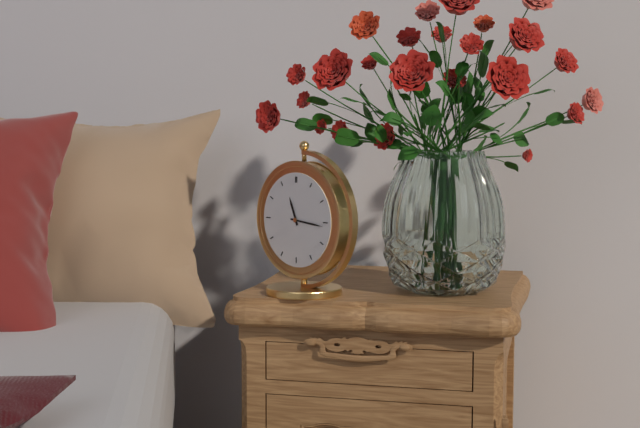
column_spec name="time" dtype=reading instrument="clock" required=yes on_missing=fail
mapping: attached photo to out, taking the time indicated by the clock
11:16
